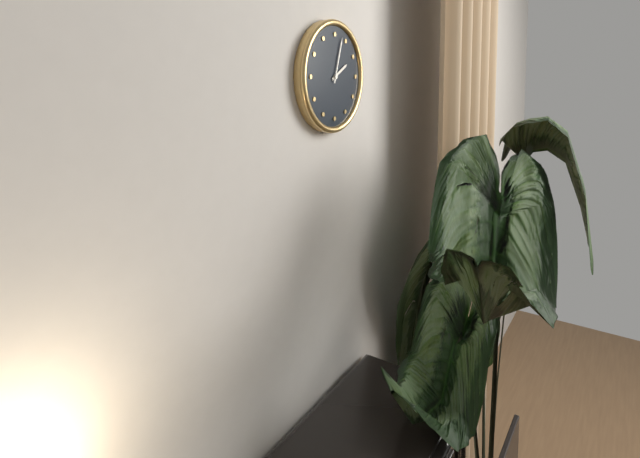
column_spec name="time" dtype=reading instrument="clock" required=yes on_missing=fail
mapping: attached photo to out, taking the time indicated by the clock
2:03
